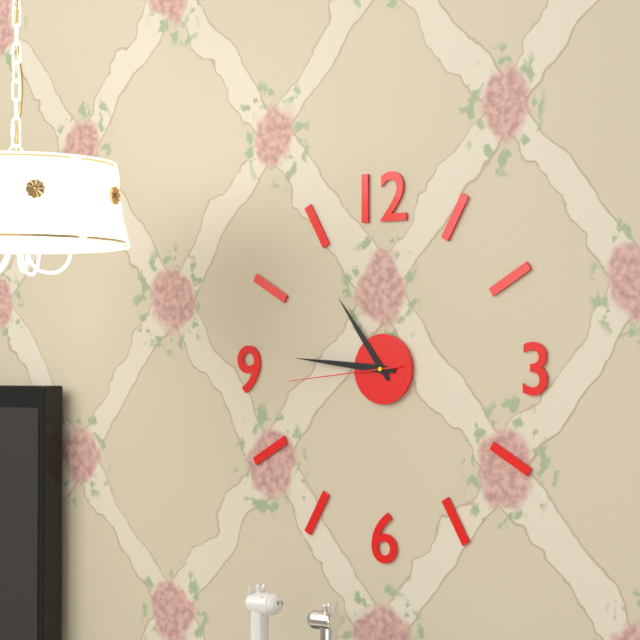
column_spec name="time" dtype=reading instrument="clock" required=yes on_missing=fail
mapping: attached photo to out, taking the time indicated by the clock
10:46:44
